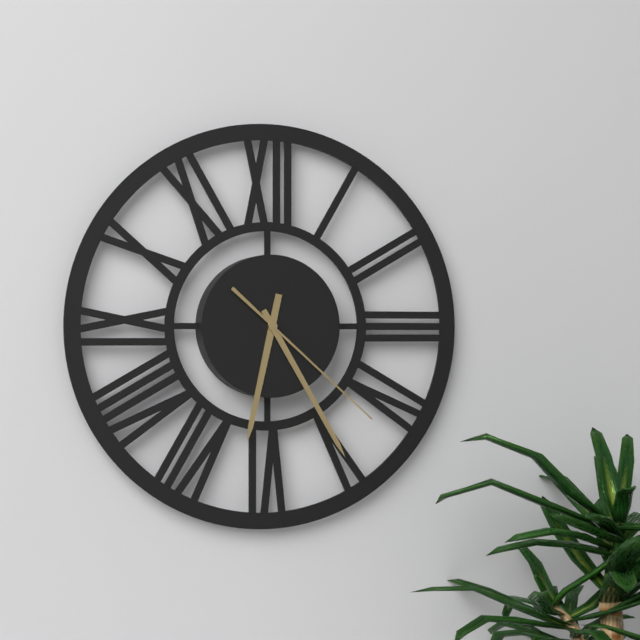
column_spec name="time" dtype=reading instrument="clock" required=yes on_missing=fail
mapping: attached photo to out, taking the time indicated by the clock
6:25:22
